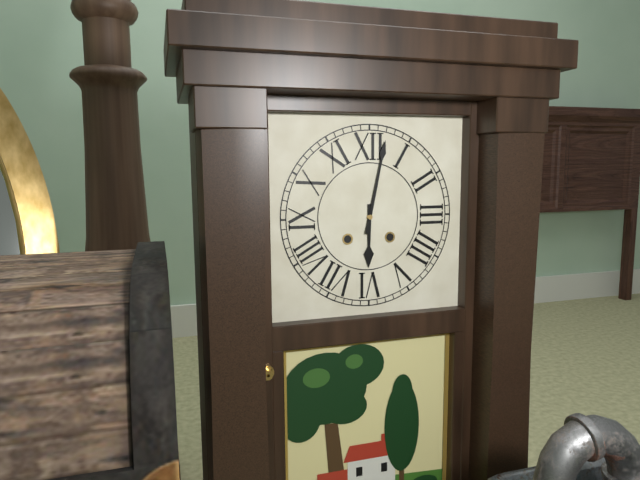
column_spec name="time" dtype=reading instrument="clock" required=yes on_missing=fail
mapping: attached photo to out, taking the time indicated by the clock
6:02
